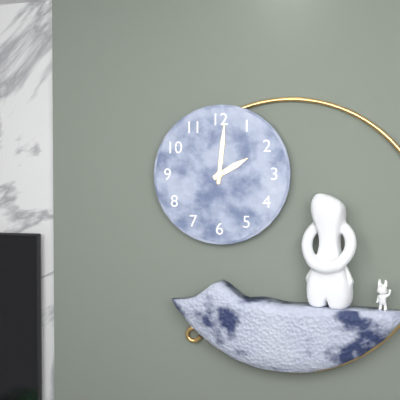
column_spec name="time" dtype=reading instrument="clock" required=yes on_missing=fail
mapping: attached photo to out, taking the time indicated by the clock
2:01
